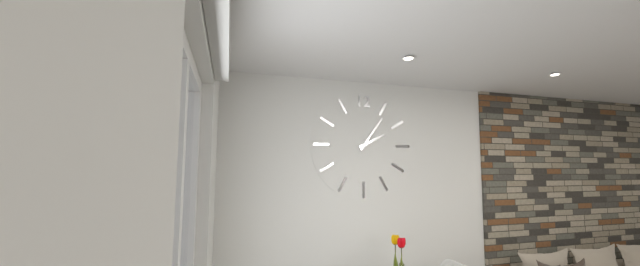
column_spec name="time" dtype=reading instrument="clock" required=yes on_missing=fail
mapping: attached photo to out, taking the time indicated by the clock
2:06
